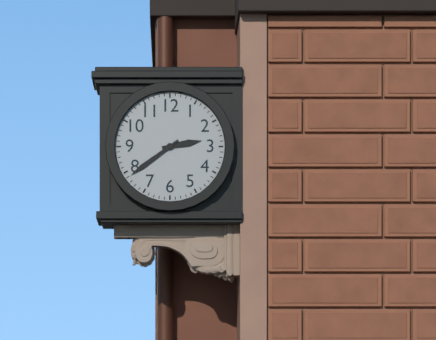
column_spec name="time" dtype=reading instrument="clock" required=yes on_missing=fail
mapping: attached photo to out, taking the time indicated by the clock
2:39
